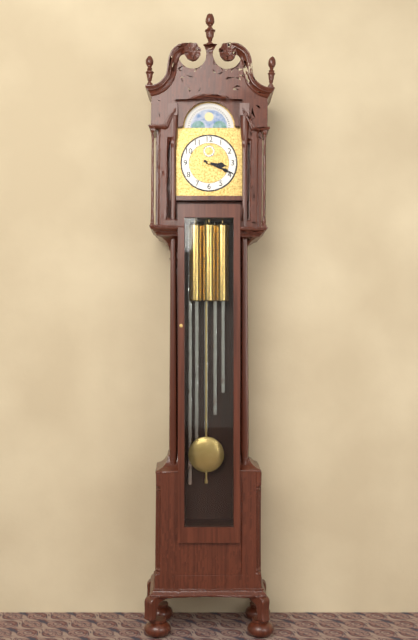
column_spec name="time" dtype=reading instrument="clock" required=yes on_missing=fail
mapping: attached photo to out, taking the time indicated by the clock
3:19
